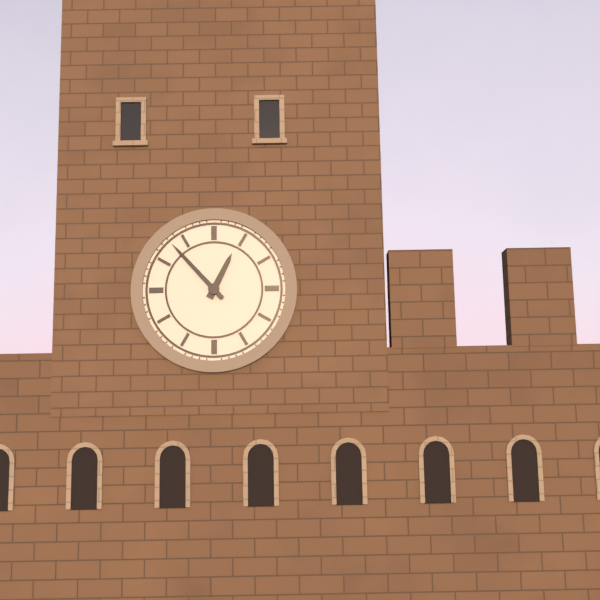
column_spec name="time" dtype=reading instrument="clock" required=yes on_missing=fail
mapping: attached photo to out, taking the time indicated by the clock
12:53
